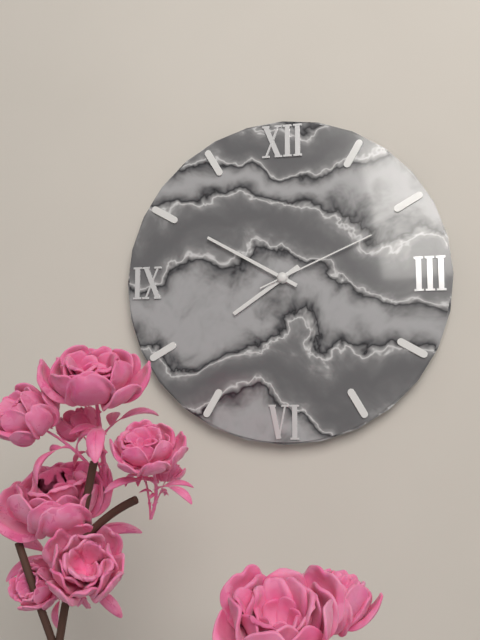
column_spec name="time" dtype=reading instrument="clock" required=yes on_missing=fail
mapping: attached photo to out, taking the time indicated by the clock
7:50:11
